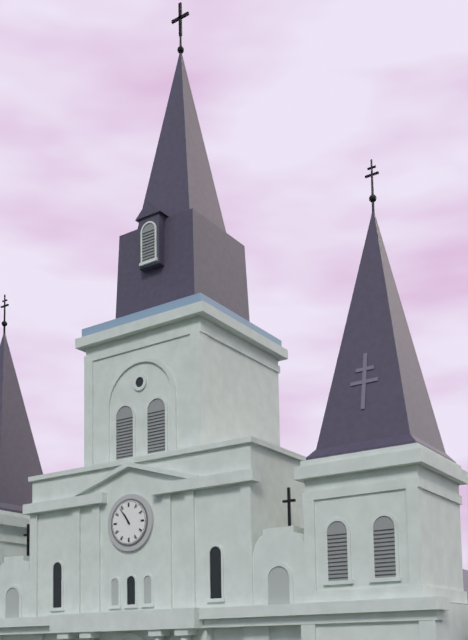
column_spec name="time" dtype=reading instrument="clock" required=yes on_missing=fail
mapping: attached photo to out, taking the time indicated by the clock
10:54
